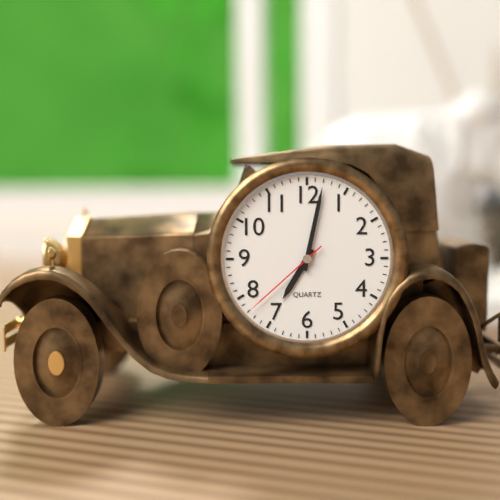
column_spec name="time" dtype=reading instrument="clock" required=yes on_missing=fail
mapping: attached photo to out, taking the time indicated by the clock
7:02:38
